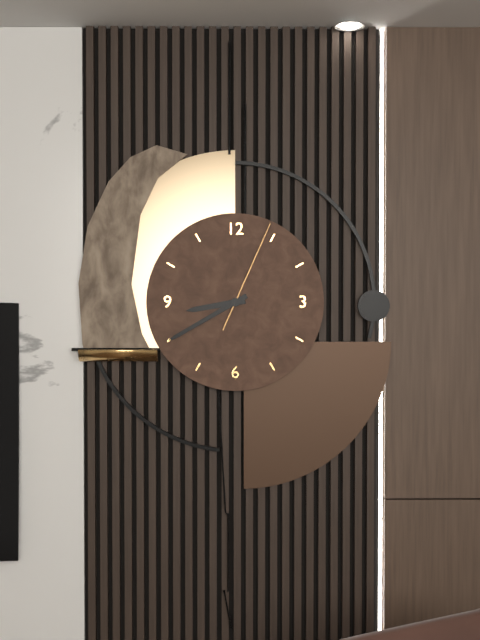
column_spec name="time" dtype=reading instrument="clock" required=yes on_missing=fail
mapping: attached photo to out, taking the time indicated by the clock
8:40:04
